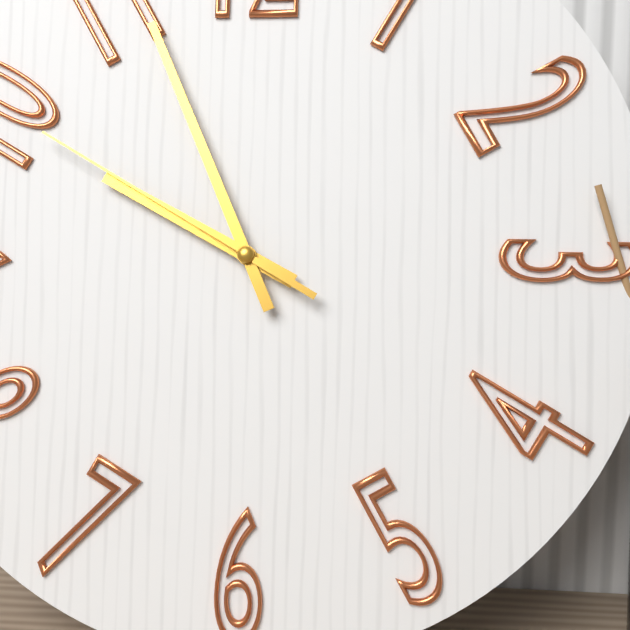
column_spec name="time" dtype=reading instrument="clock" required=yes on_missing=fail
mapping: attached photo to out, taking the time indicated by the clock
9:56:50
